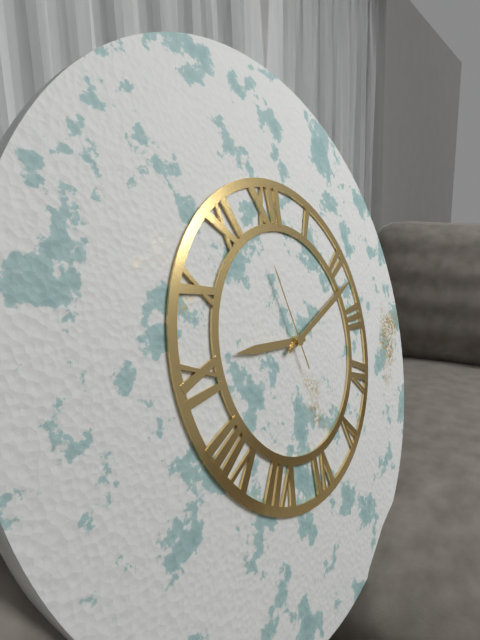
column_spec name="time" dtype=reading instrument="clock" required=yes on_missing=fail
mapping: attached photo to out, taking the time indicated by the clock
9:12:58
